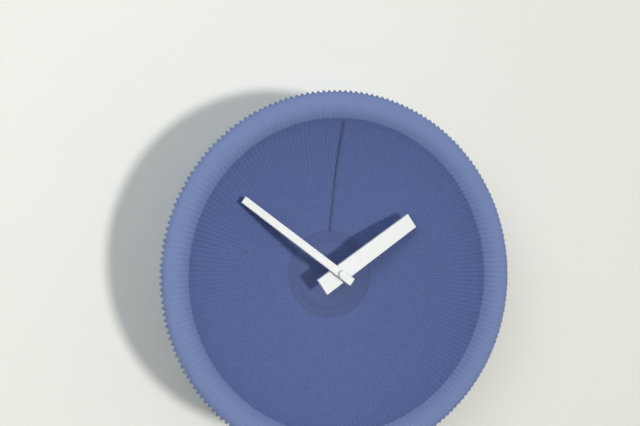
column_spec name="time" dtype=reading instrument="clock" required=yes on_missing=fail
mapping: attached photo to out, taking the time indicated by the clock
1:51
